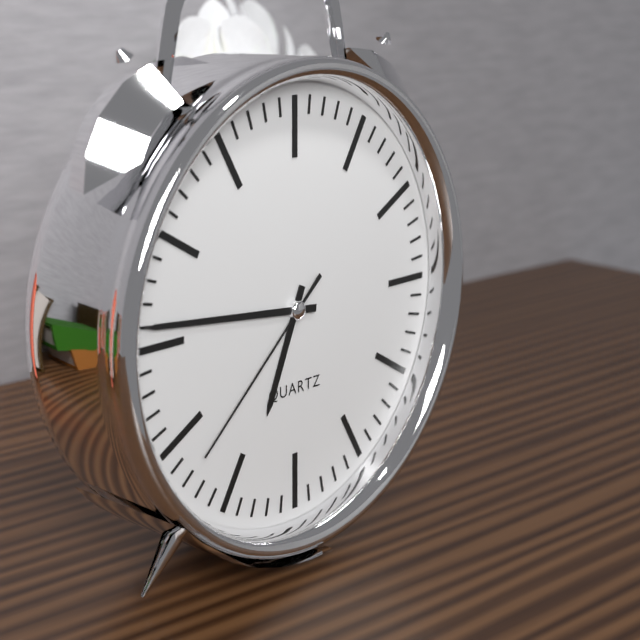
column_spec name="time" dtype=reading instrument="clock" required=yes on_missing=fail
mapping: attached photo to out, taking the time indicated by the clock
6:46:38
